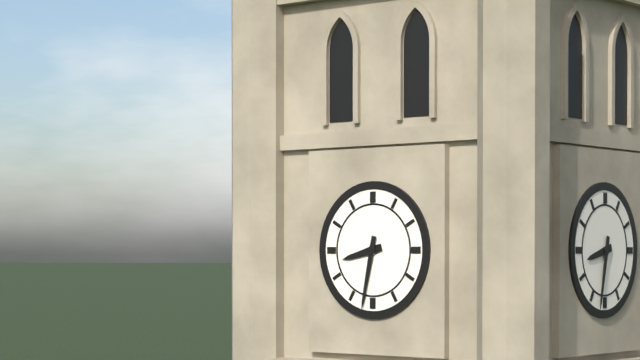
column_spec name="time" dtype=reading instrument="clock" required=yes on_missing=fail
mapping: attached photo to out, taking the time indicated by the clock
8:32
